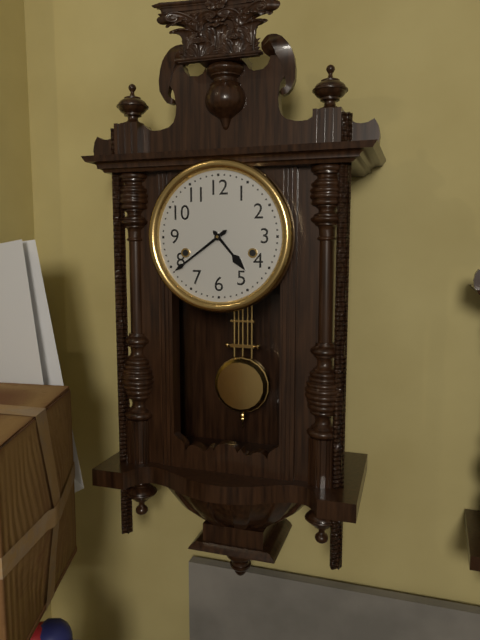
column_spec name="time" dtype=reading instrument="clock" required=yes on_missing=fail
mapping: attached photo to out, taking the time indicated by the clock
4:39
